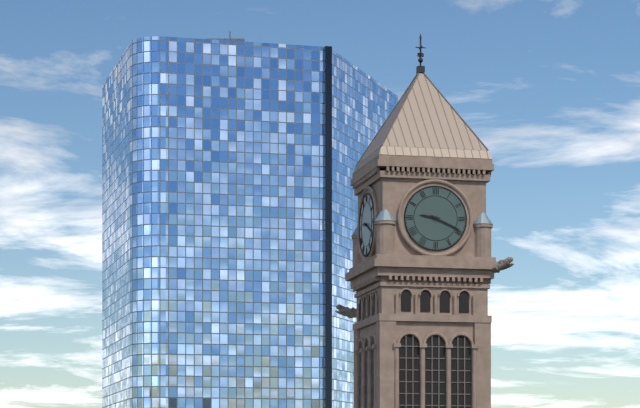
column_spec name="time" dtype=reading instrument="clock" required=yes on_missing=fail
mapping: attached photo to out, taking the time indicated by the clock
9:19
